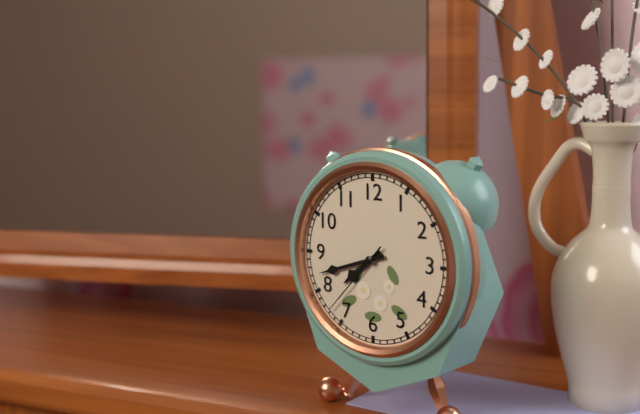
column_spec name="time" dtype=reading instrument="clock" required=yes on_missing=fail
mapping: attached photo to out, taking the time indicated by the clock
7:42:37
